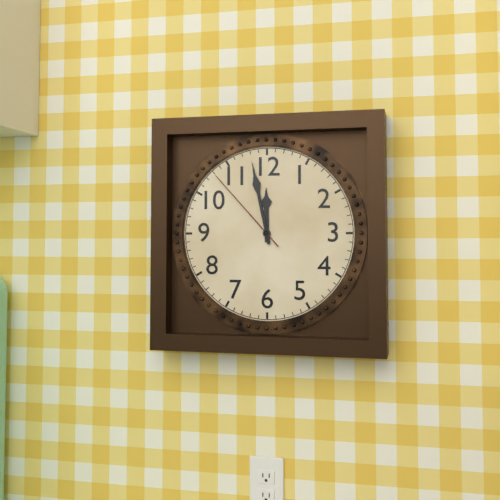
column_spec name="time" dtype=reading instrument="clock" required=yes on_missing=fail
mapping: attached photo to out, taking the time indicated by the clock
11:58:53
